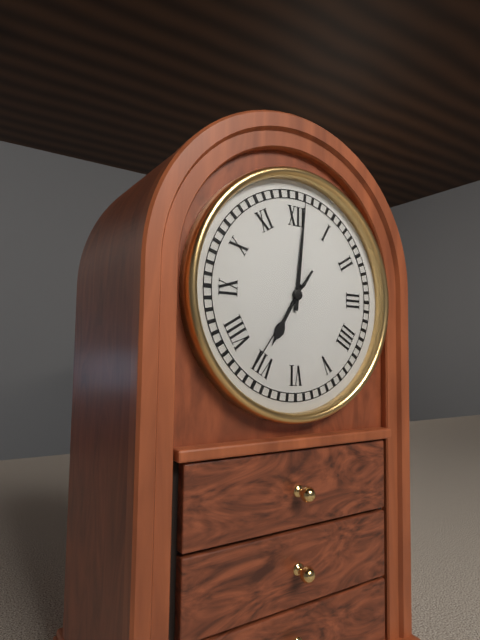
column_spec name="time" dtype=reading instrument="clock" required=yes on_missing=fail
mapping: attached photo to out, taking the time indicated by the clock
7:01:36
